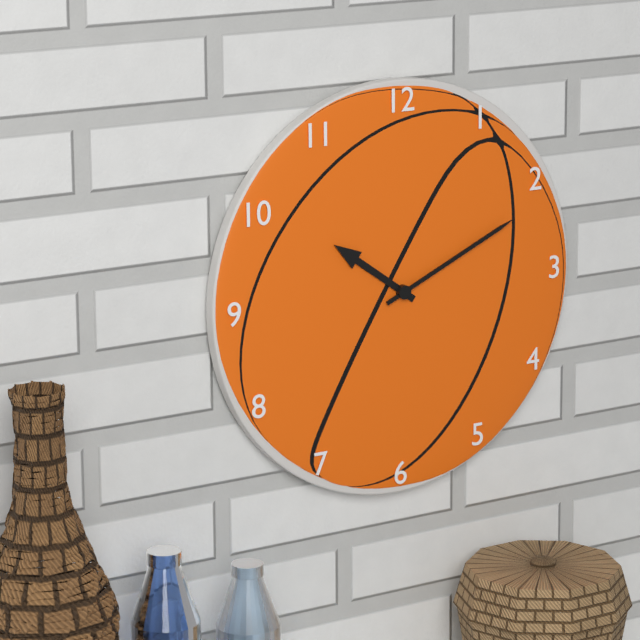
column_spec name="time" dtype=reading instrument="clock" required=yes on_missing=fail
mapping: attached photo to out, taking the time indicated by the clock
10:11
